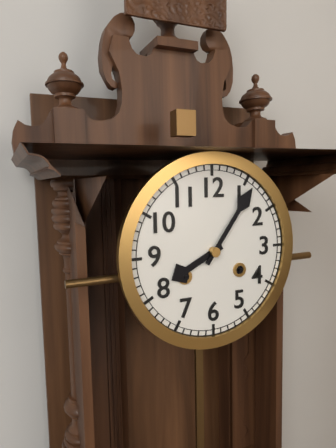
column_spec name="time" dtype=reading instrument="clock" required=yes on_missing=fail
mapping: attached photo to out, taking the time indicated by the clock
8:06
